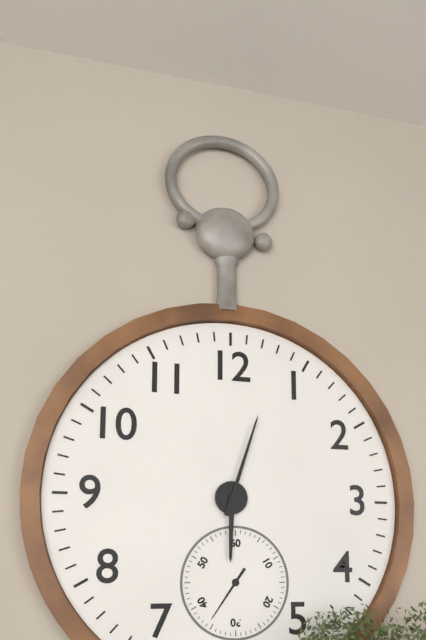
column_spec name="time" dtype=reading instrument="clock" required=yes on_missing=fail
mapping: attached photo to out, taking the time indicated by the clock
6:03
